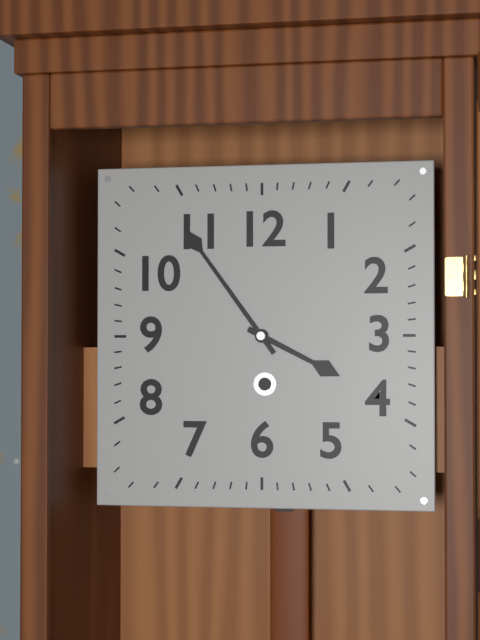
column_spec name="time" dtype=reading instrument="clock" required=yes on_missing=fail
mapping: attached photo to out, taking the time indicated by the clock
3:54
